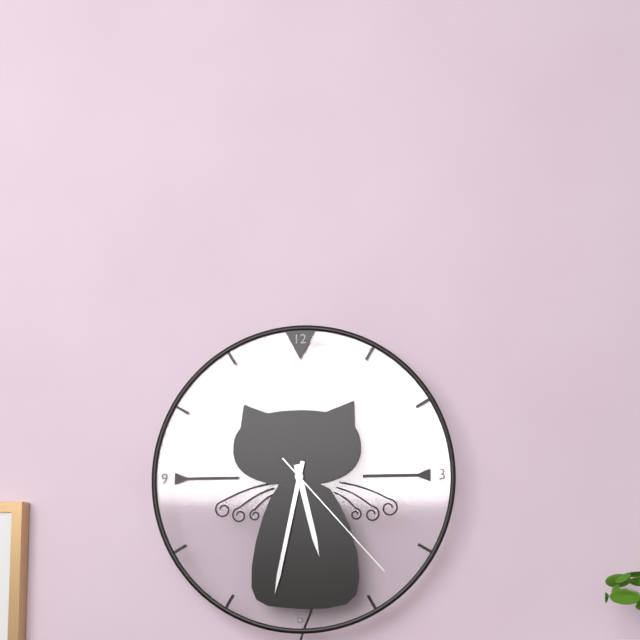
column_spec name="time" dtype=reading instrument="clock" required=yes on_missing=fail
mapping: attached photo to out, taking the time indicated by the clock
5:32:23
